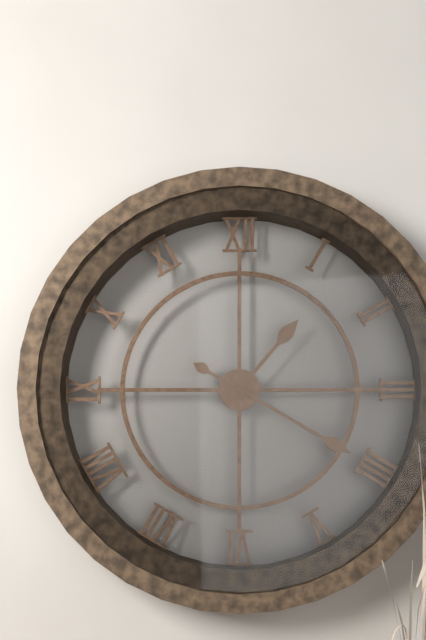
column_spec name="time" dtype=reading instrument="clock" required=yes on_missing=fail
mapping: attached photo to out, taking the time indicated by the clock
1:20
